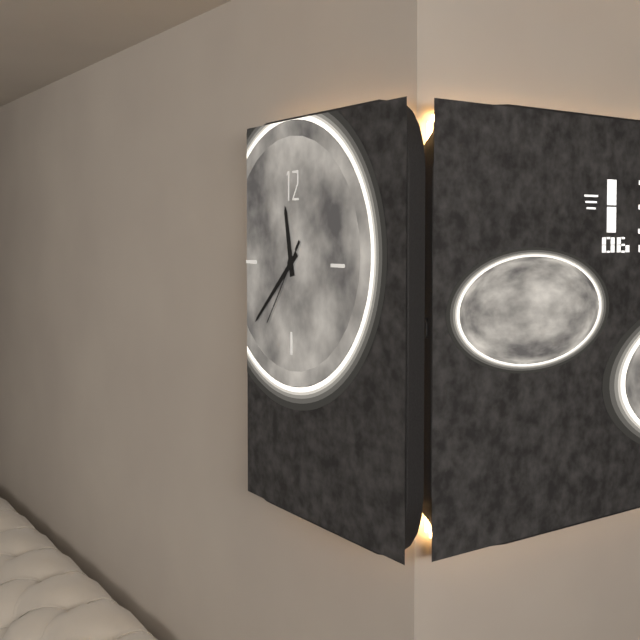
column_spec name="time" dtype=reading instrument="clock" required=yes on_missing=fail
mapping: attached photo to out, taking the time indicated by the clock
11:38:36
